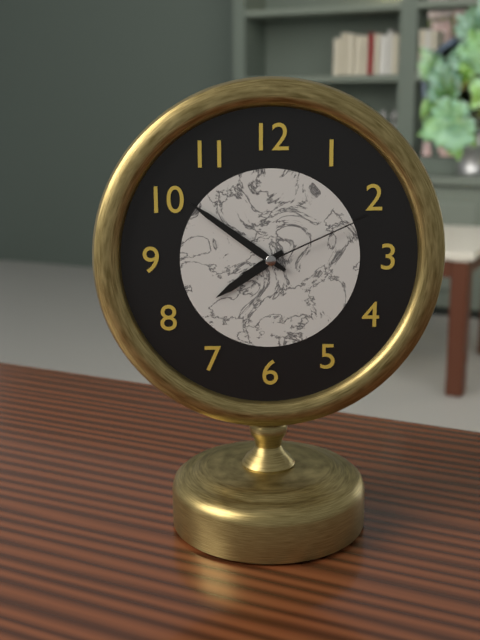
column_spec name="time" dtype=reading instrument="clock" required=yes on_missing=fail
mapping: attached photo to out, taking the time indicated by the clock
7:51:11
